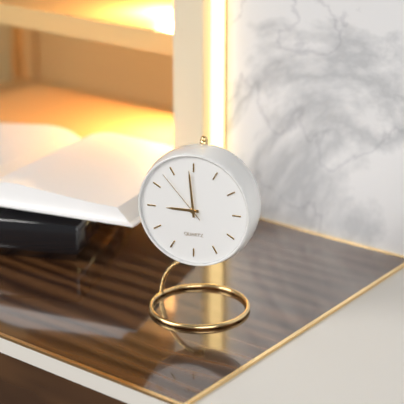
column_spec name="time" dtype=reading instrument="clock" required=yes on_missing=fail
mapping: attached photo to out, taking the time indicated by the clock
8:59:53
